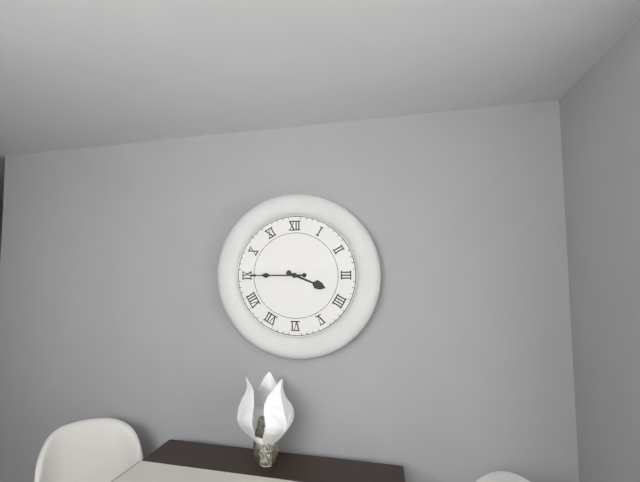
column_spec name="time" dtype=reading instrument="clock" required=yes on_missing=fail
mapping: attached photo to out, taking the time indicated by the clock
3:45
